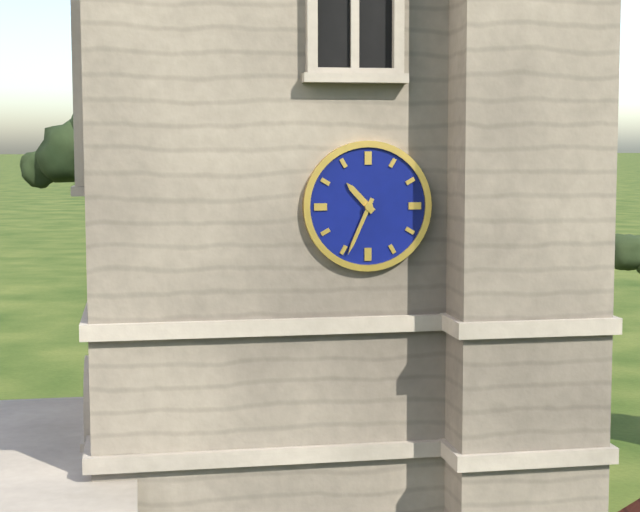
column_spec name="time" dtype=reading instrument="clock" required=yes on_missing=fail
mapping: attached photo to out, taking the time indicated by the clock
10:34
